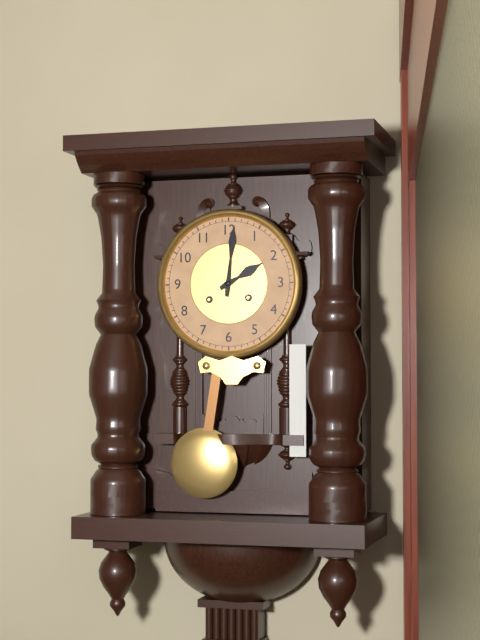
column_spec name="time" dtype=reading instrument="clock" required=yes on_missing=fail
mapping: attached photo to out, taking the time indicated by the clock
2:01
